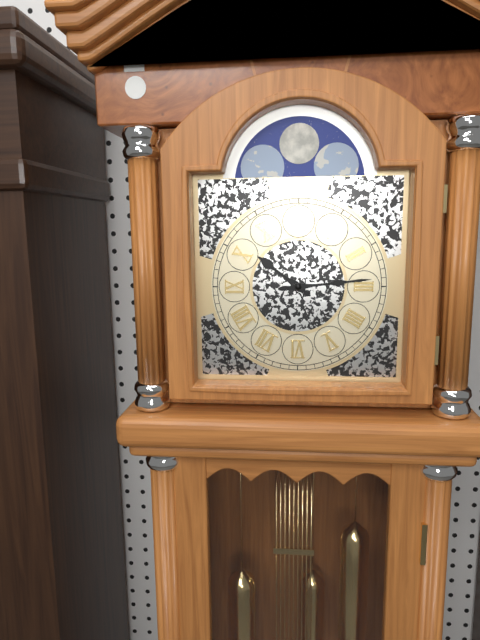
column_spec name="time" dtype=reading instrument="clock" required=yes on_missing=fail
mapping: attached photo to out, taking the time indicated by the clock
10:14
